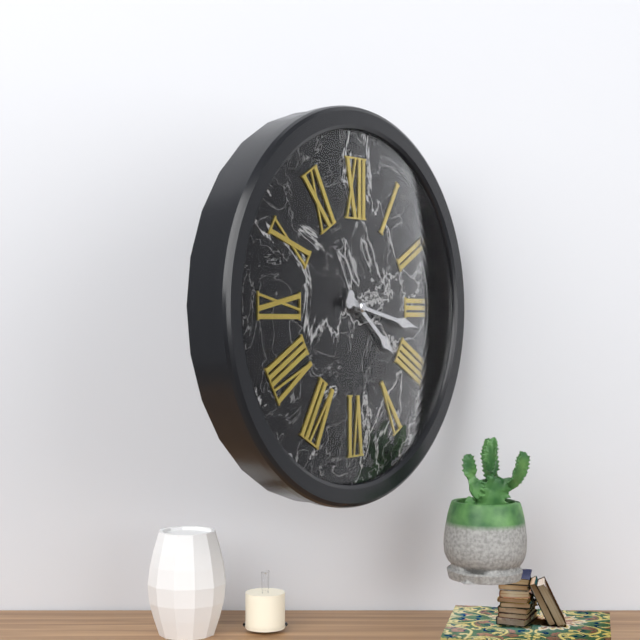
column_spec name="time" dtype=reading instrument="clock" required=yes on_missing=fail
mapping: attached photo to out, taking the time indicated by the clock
4:17
